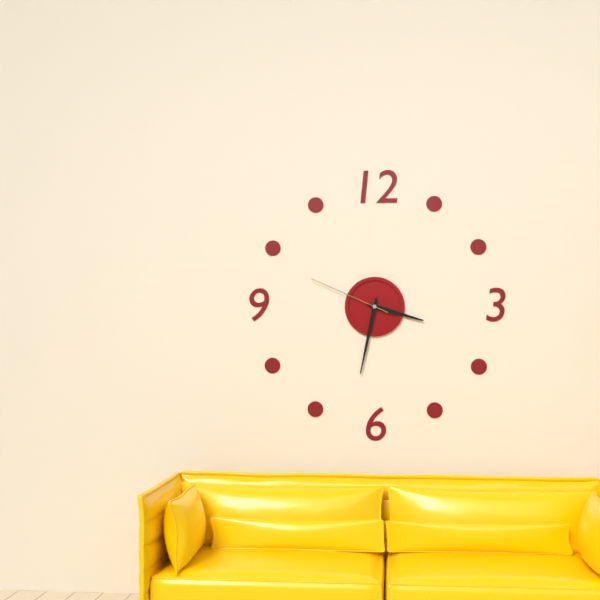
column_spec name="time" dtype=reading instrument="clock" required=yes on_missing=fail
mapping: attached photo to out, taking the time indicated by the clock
3:32:49
